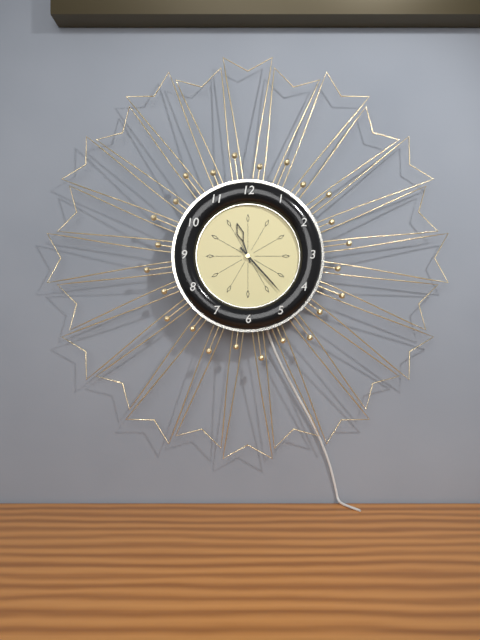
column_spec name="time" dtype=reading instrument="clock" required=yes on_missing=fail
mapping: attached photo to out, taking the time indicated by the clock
11:23
